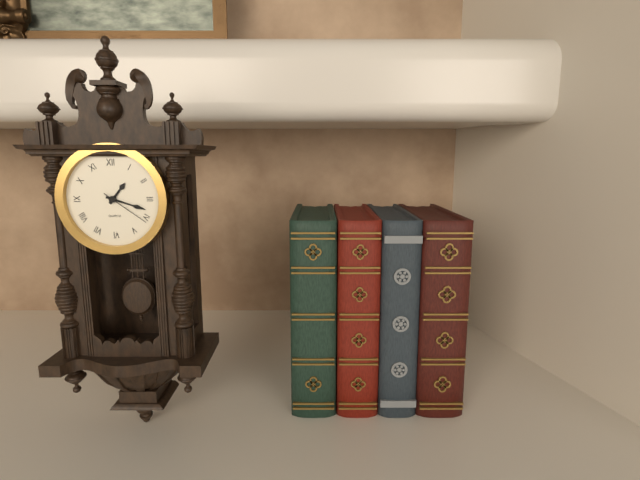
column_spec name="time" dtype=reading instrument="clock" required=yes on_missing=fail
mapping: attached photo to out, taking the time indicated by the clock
1:18:21
